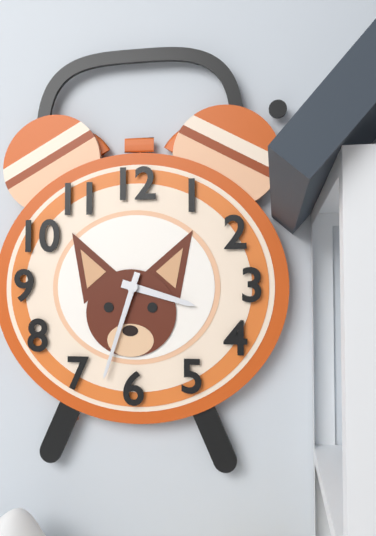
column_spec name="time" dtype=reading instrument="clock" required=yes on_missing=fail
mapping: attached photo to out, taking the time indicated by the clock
3:33
